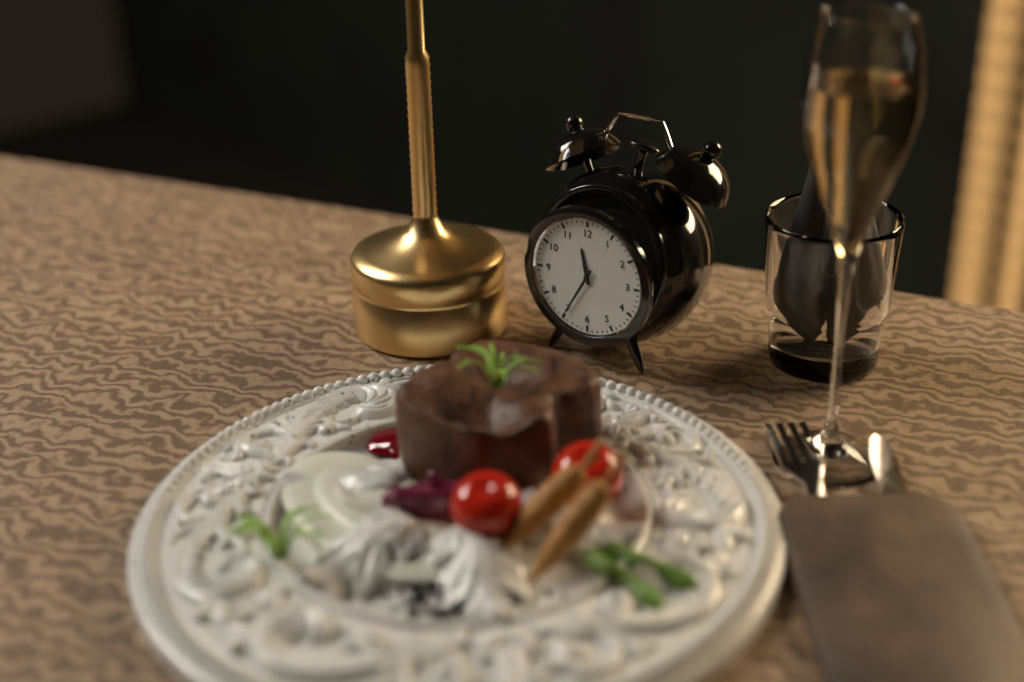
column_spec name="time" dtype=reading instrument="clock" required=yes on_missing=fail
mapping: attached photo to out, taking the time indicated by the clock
11:35
